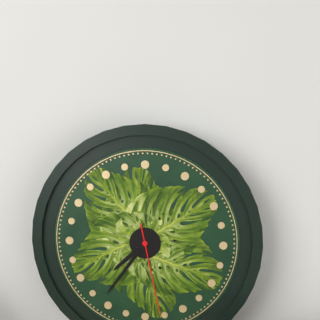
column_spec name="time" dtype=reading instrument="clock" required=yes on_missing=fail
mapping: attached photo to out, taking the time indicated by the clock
7:36:28
